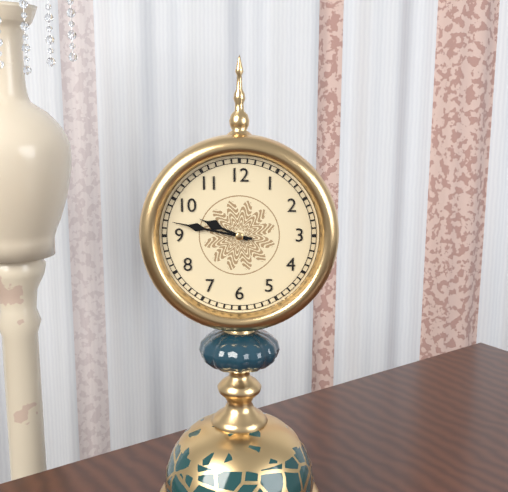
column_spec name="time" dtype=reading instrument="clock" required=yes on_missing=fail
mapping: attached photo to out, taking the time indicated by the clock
9:47
